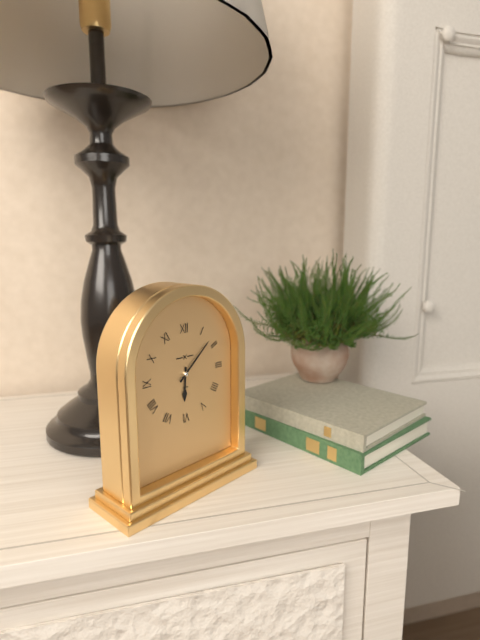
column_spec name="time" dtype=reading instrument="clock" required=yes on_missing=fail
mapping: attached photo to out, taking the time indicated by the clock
6:08
